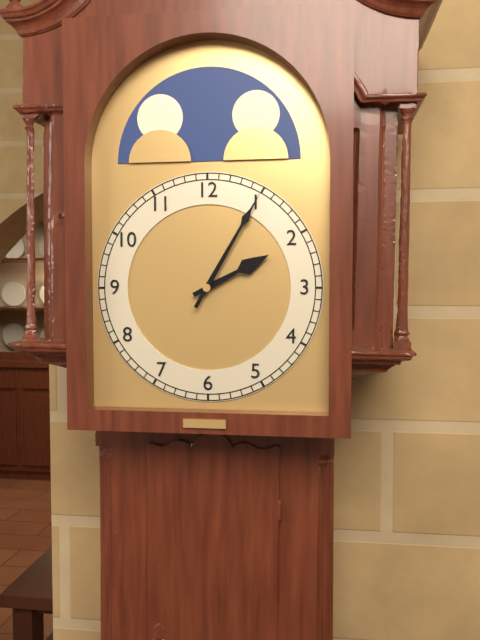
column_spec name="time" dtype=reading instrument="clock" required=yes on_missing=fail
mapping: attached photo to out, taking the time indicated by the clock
2:05
